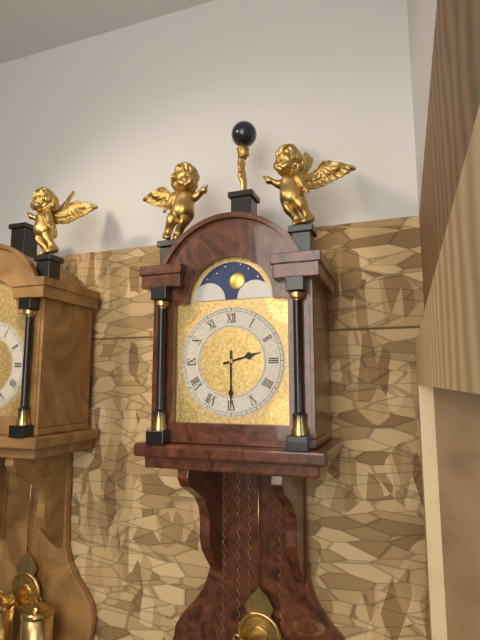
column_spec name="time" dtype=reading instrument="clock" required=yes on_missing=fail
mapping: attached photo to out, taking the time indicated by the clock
2:30
